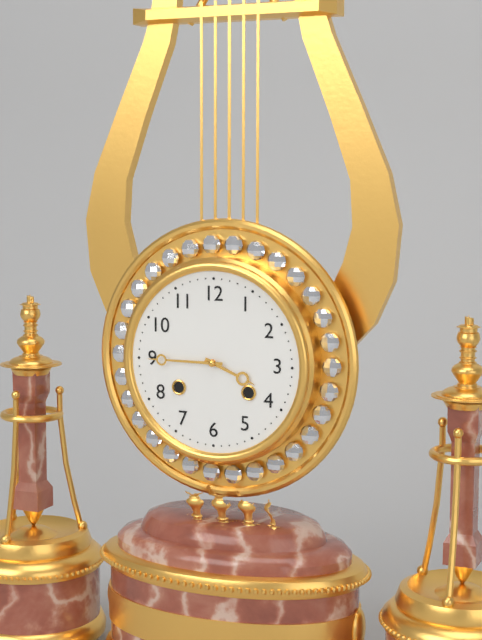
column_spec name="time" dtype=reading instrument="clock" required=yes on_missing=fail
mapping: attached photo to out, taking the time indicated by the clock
3:45
